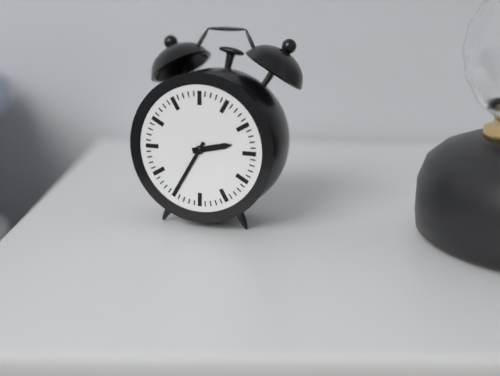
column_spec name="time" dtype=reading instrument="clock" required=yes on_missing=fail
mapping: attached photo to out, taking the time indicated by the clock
2:35
